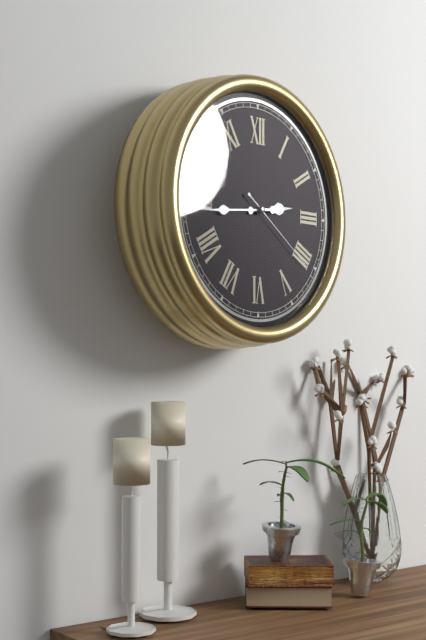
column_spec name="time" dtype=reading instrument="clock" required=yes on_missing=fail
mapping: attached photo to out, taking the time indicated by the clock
2:44:21
